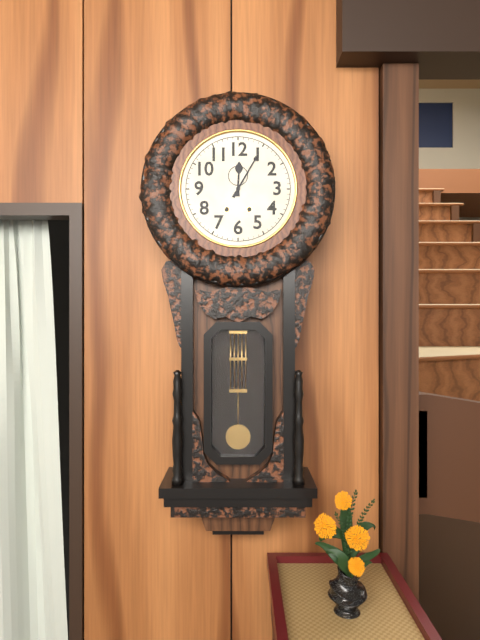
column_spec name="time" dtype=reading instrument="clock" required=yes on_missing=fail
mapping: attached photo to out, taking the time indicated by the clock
12:05
